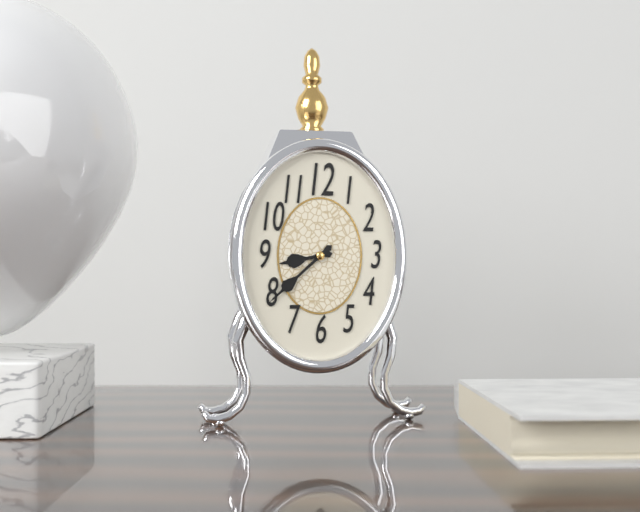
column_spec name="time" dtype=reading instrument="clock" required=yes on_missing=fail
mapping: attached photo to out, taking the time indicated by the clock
8:38
